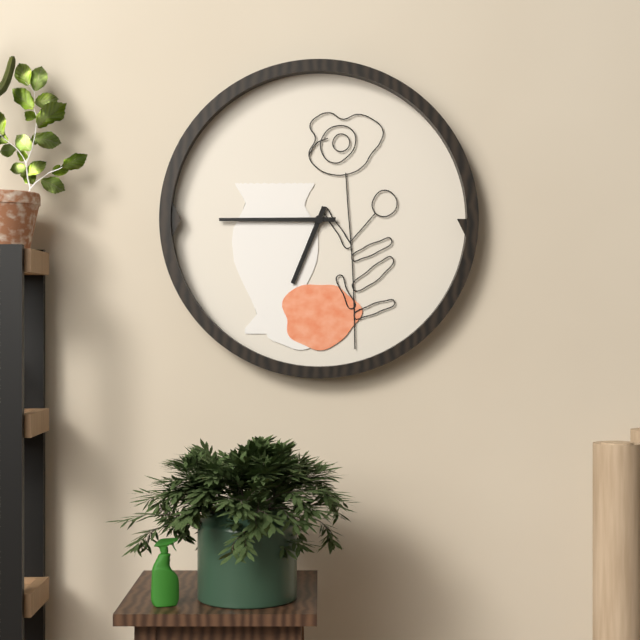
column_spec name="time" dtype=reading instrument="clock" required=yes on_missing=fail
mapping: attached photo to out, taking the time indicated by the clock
6:45
